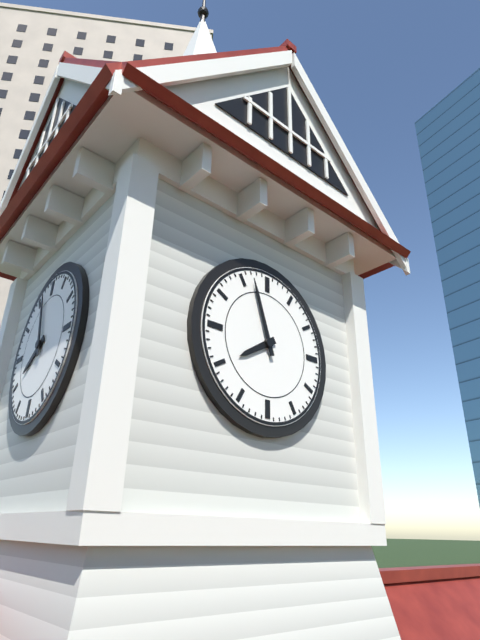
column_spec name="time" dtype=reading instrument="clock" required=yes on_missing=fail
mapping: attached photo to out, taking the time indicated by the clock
7:57
